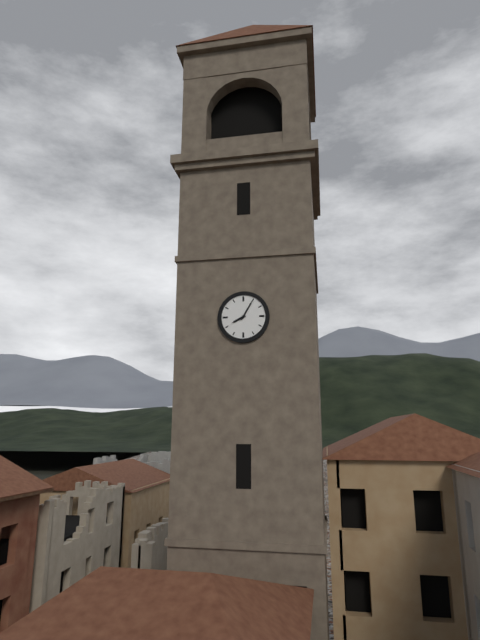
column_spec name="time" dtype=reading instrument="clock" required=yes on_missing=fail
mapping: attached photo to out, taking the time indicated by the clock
8:05
